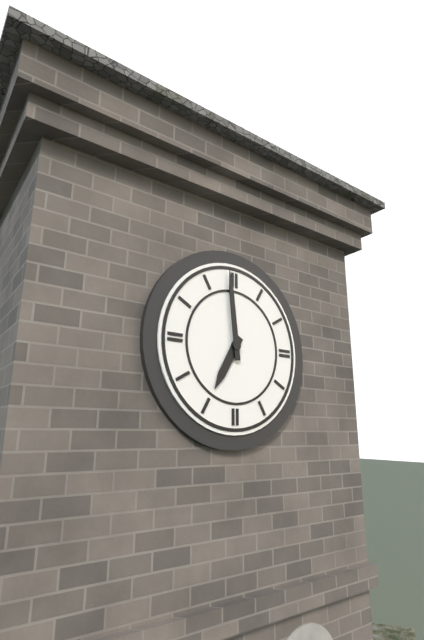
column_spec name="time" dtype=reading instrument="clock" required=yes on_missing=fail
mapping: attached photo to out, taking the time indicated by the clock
6:59
